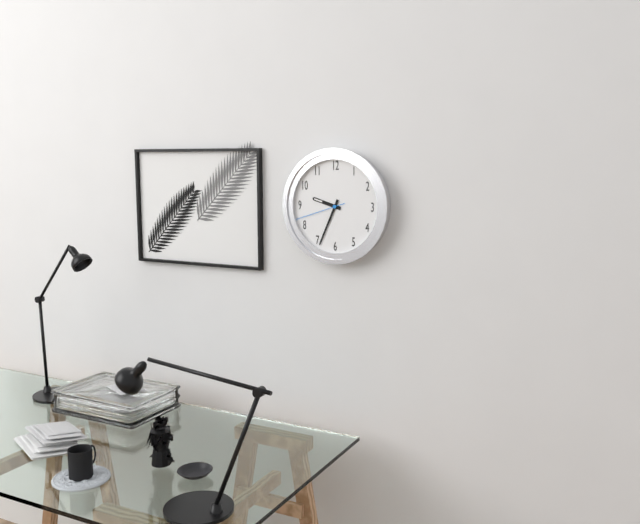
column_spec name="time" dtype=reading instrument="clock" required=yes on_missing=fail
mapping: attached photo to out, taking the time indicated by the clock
9:34:42
